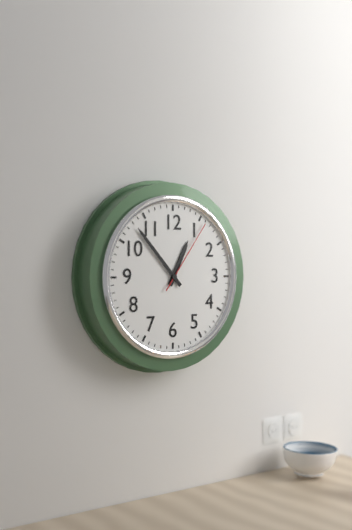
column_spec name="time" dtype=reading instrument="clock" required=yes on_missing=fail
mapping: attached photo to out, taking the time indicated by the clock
12:53:06
